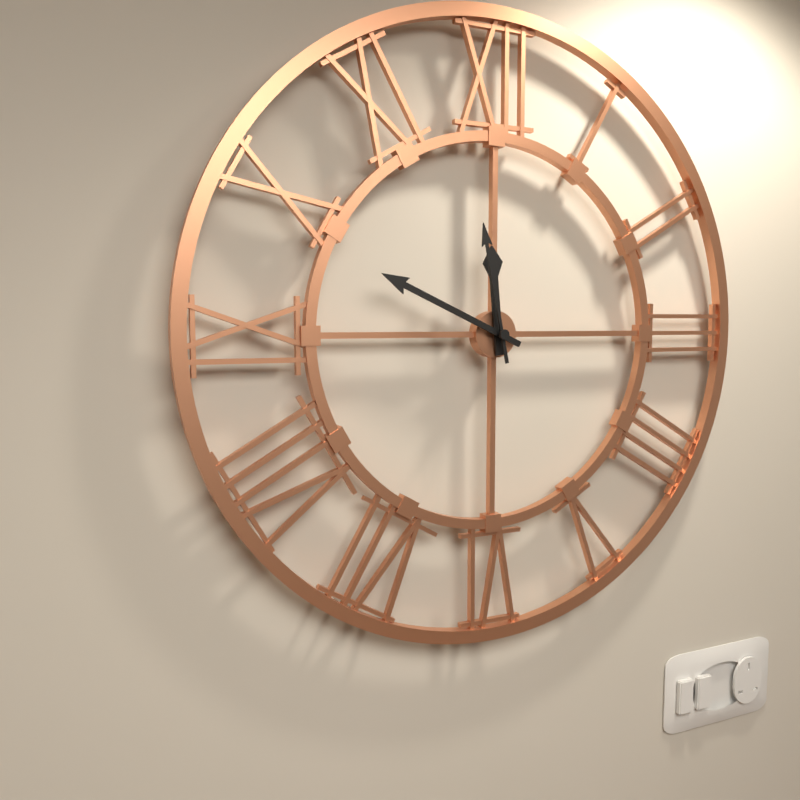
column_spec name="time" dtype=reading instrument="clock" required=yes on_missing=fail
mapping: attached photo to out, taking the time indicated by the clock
11:49:58
